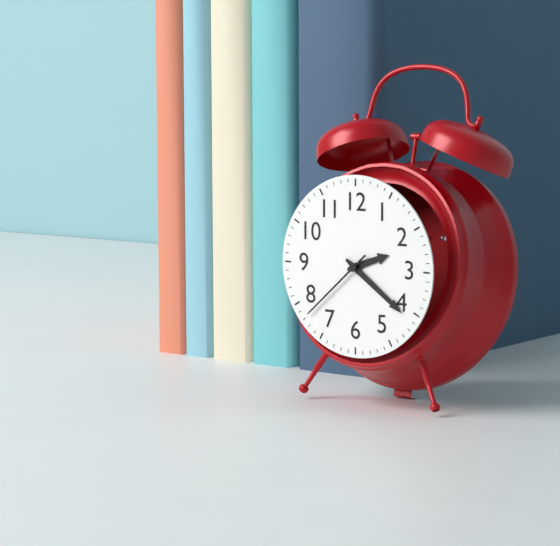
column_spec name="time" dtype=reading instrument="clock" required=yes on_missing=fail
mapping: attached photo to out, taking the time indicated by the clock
2:21:38
